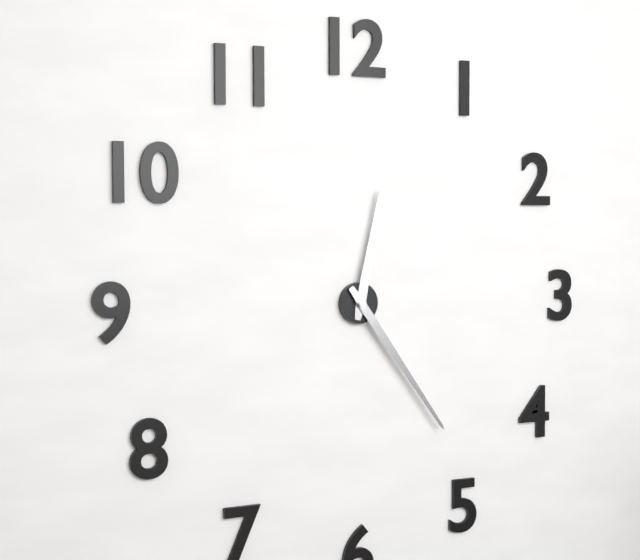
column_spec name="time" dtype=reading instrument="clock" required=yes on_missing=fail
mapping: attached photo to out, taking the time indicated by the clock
12:24
